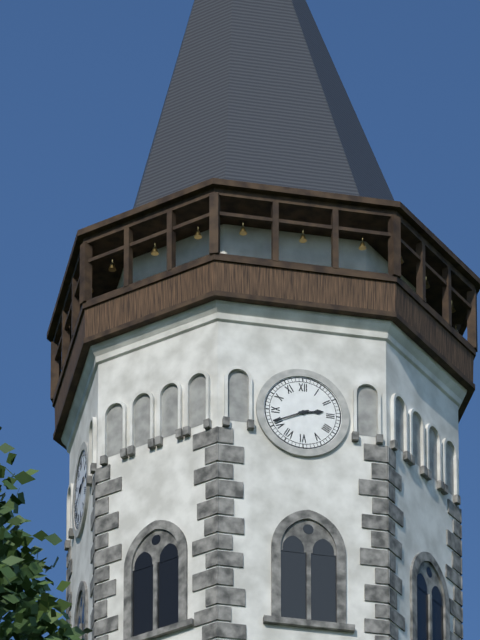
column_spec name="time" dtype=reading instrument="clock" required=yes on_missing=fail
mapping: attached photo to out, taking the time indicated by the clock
2:41
